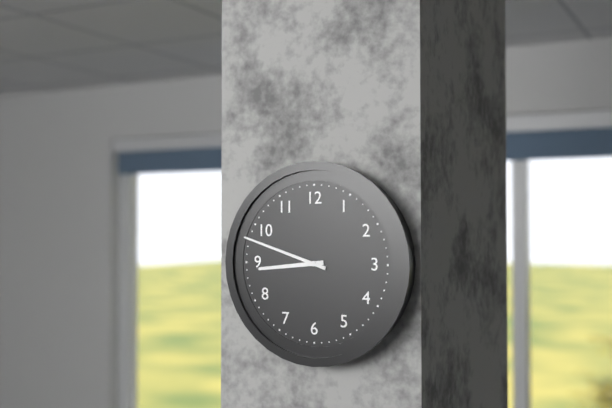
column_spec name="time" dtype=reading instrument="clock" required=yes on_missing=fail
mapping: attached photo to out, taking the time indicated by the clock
8:48
